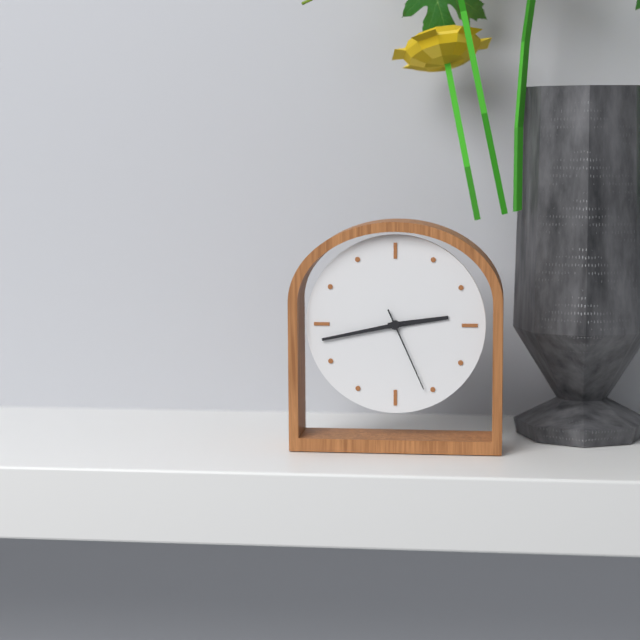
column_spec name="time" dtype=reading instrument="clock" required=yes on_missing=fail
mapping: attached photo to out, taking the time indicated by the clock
2:43:26
